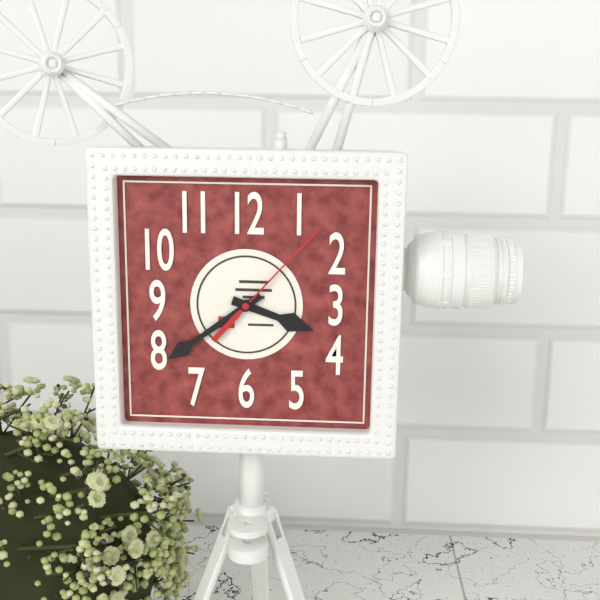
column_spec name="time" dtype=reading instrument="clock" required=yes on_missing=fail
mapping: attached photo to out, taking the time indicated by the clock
3:39:07
